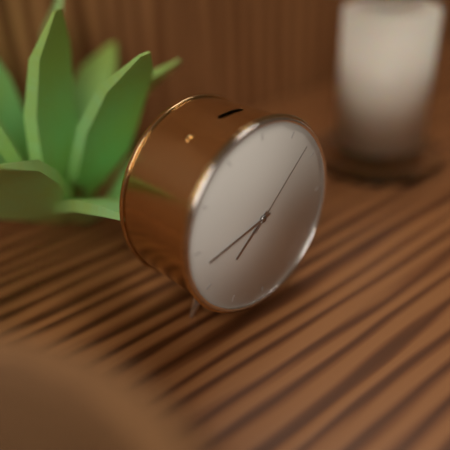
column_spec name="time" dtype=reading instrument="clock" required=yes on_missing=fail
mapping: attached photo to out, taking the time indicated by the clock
7:43:08
